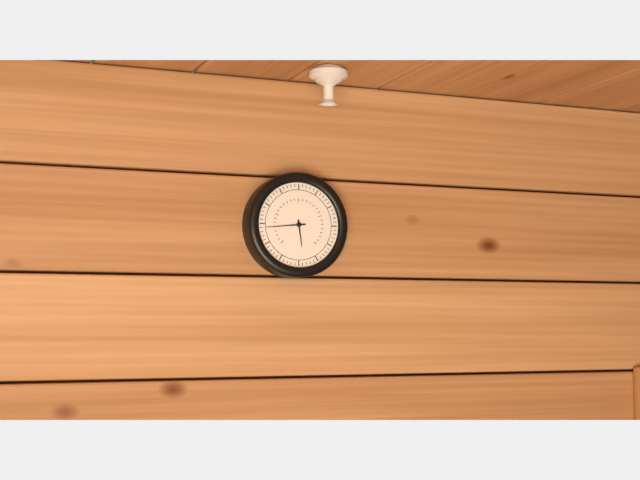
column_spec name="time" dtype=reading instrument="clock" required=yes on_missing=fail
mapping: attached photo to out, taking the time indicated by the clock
5:44
